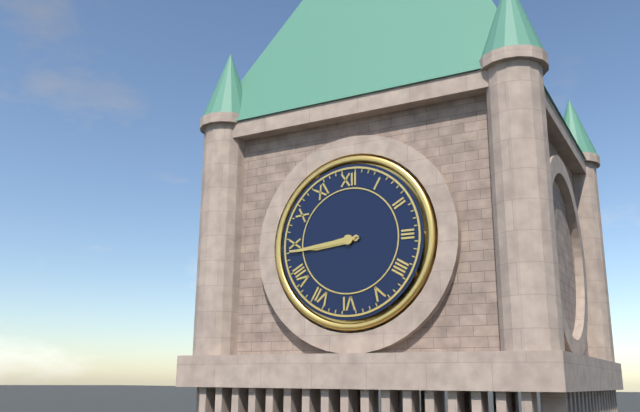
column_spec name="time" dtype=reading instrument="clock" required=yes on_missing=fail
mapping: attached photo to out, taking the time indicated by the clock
8:44
